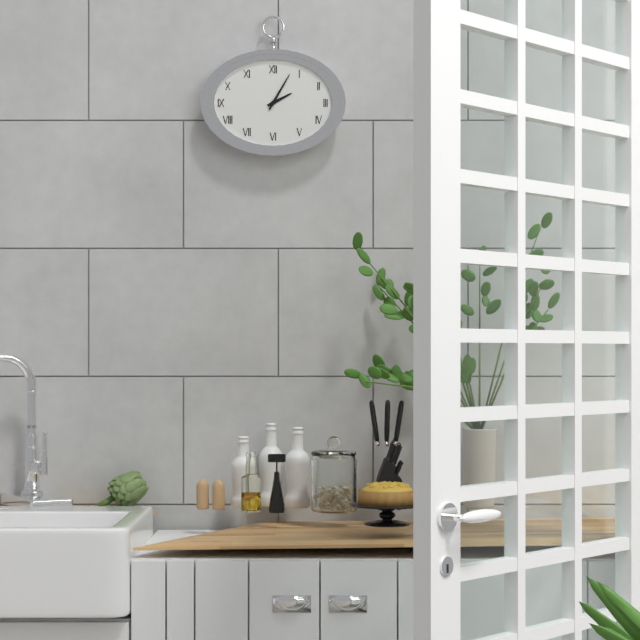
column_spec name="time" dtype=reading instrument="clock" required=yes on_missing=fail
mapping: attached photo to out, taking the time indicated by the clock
2:05
